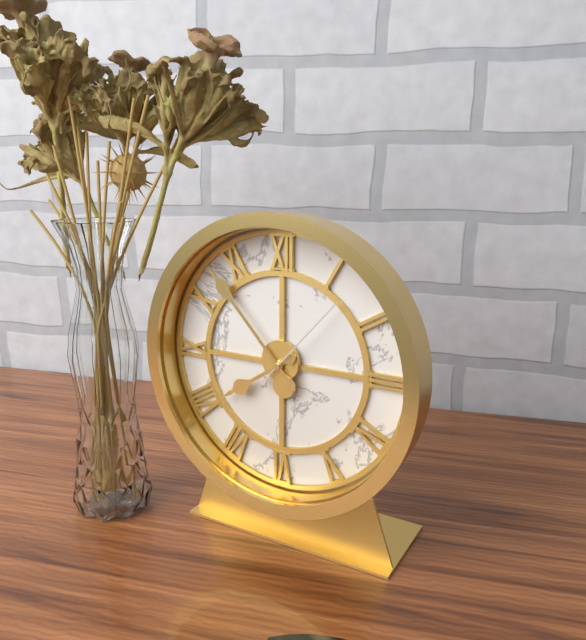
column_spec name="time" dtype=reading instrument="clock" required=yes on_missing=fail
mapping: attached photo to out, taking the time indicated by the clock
7:53:07
